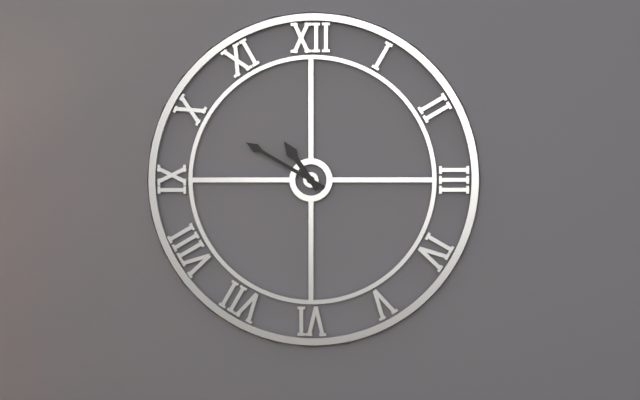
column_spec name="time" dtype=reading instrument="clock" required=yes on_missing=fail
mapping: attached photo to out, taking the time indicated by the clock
10:50
